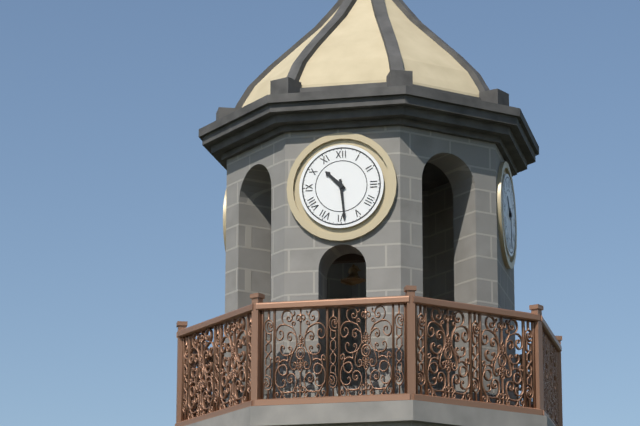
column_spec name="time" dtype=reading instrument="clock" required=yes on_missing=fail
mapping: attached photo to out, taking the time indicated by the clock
10:29
